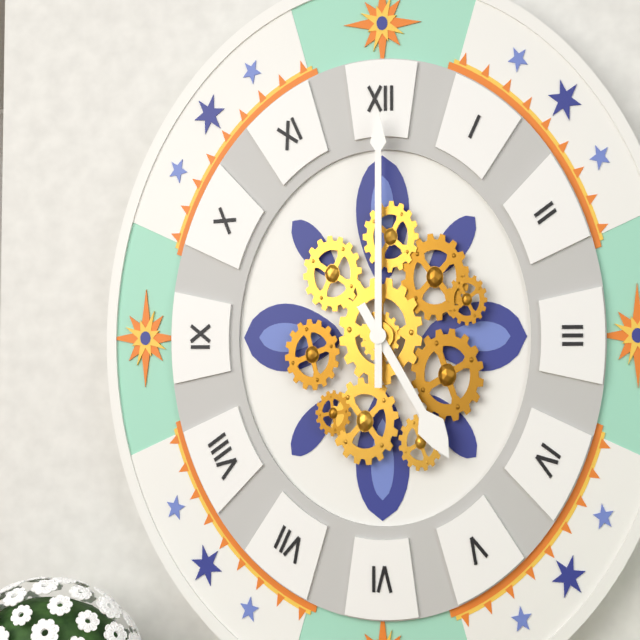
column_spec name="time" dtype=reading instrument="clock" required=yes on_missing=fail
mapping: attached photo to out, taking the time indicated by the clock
5:00
